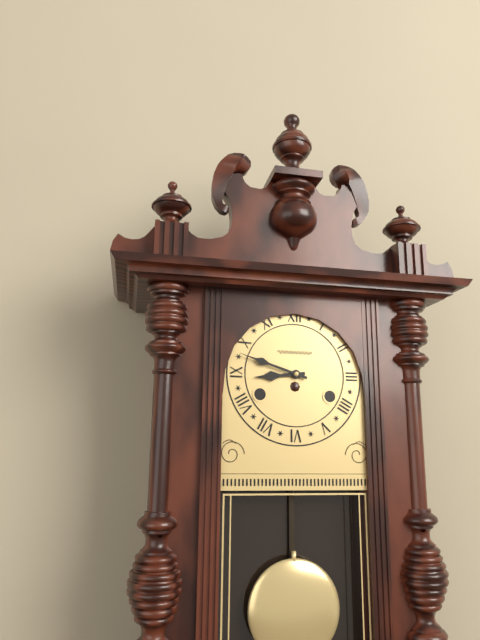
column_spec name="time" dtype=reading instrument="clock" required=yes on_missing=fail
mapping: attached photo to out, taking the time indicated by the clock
8:48
